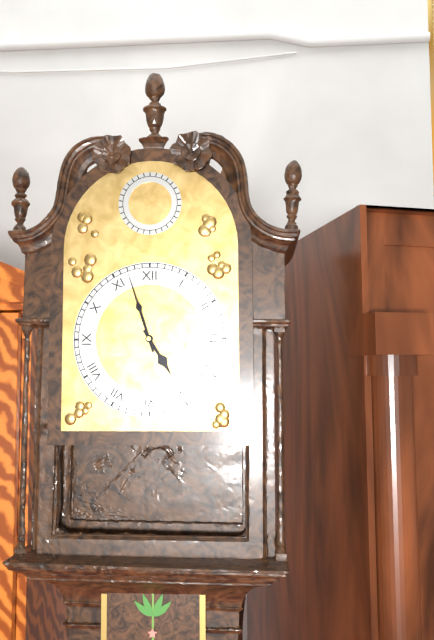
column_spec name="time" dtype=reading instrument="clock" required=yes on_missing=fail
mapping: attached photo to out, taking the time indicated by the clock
4:57
